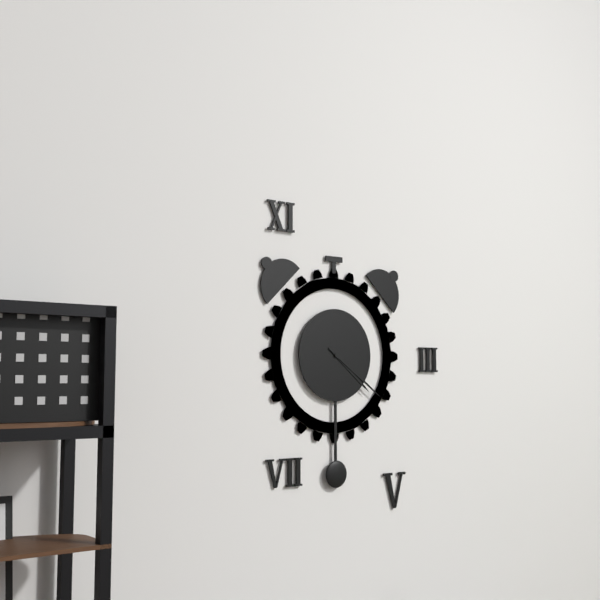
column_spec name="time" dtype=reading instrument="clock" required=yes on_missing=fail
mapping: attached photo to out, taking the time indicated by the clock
4:21
